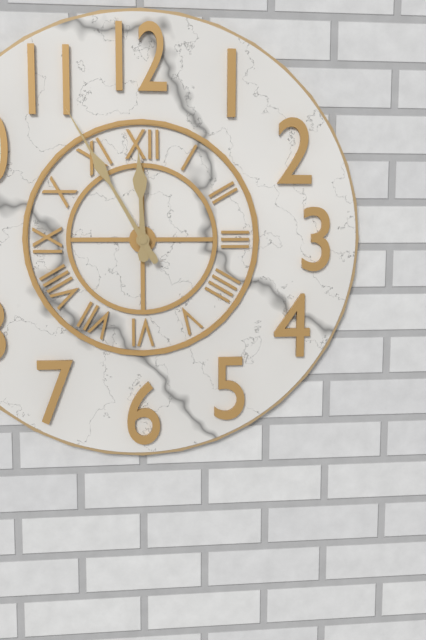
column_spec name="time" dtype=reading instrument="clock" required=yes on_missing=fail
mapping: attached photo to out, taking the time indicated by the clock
11:55
